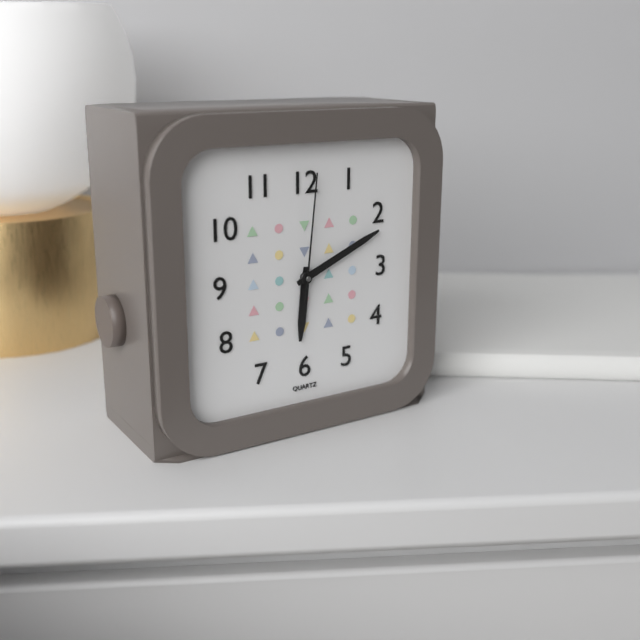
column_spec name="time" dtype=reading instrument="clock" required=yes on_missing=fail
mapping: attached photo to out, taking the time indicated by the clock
6:11:01
